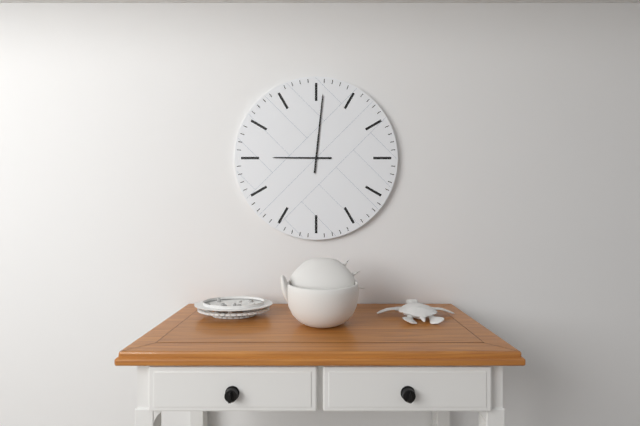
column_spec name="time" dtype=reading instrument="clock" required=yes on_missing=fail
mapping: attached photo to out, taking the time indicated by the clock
9:01
